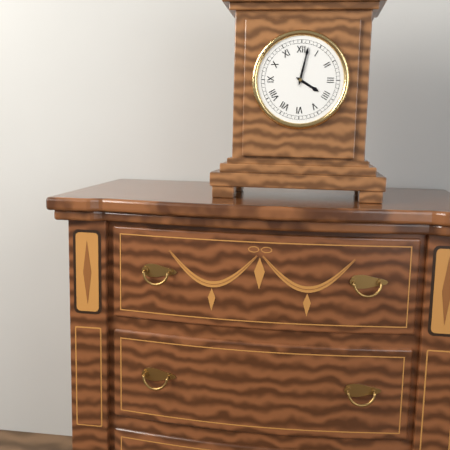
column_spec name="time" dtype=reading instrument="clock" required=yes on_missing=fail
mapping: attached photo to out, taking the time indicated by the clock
4:02
